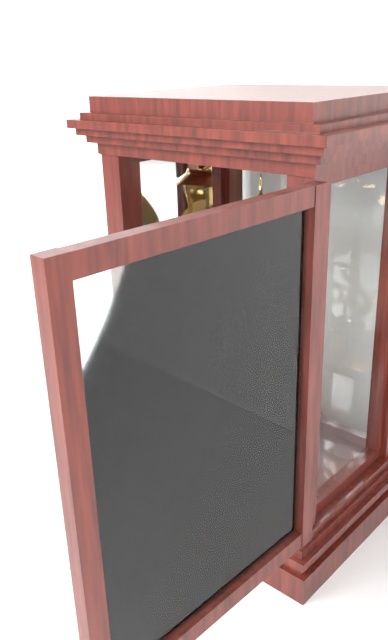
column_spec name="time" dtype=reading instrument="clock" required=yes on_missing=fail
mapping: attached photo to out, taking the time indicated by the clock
11:45
